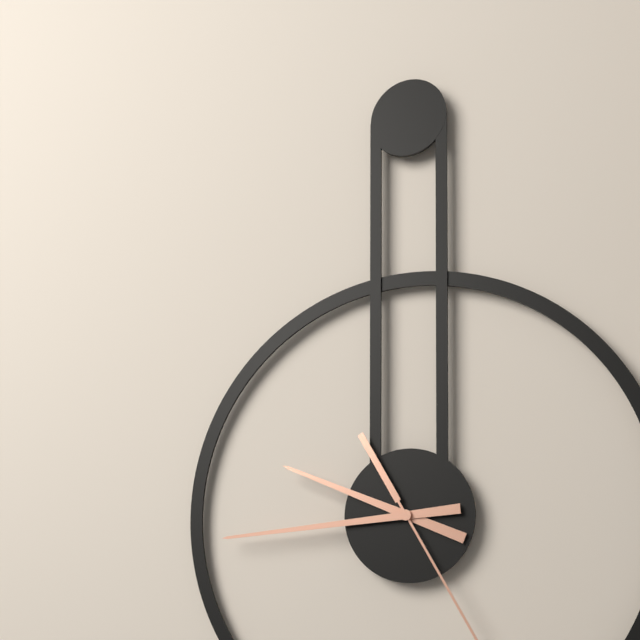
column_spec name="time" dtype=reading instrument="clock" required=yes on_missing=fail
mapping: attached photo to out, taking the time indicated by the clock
9:44
